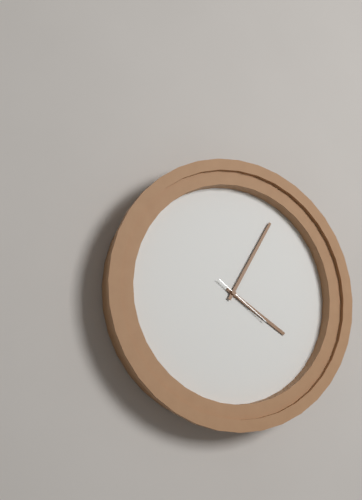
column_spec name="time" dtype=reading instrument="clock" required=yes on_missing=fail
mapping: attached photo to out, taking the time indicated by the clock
4:05:21
